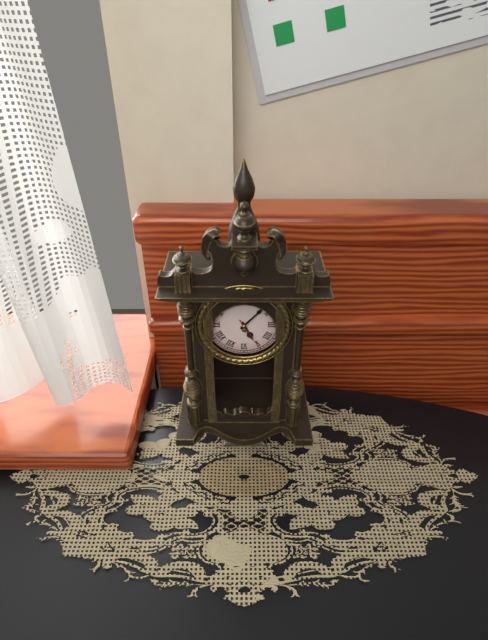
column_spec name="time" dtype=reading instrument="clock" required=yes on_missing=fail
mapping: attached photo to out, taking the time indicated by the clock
5:07
